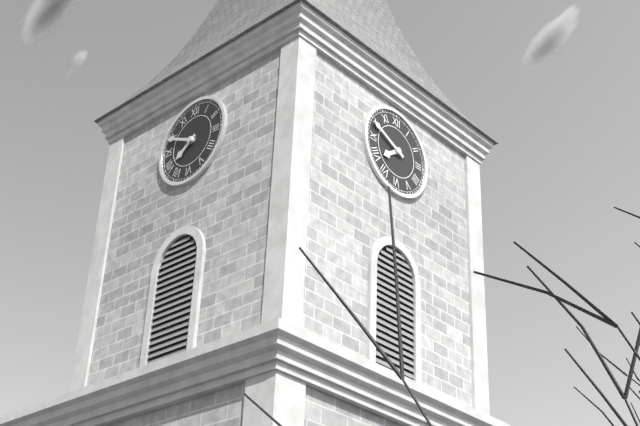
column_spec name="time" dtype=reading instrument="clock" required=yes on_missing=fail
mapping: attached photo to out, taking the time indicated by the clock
7:49
